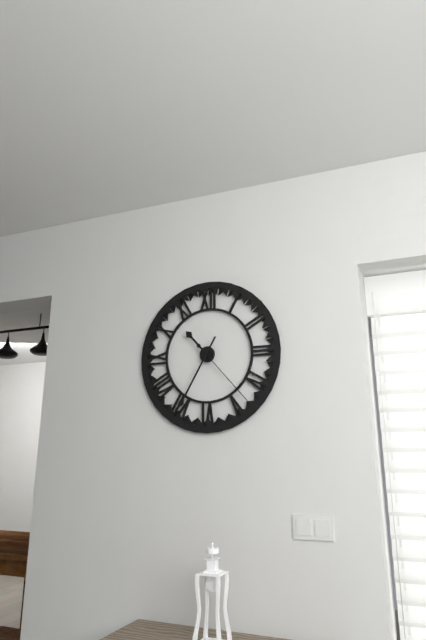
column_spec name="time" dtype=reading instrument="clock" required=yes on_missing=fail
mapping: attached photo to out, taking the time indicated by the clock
10:35:23
